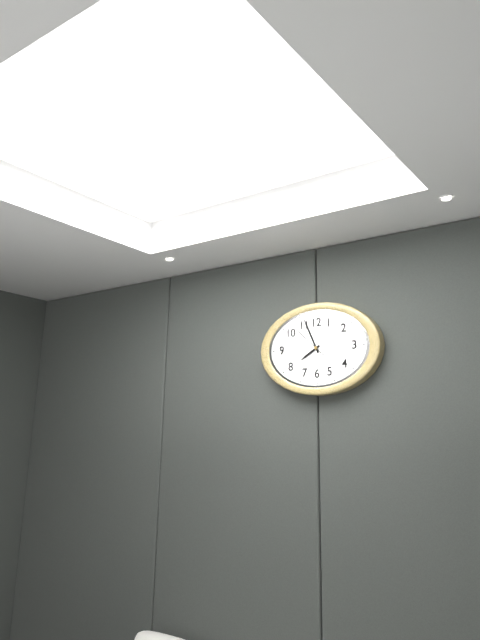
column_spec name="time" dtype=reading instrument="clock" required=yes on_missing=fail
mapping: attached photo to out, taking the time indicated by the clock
7:56
